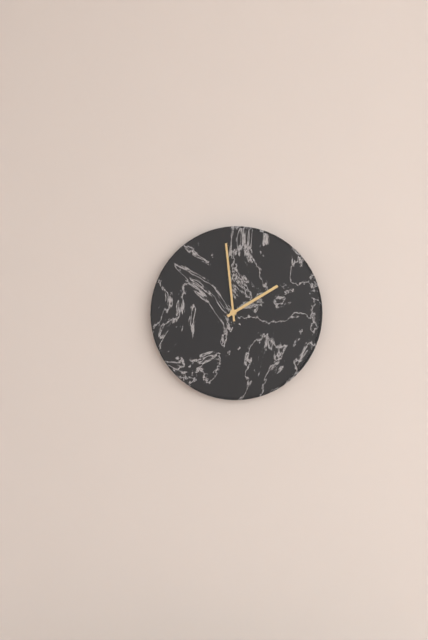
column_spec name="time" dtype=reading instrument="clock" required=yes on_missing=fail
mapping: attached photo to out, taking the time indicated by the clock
1:59
